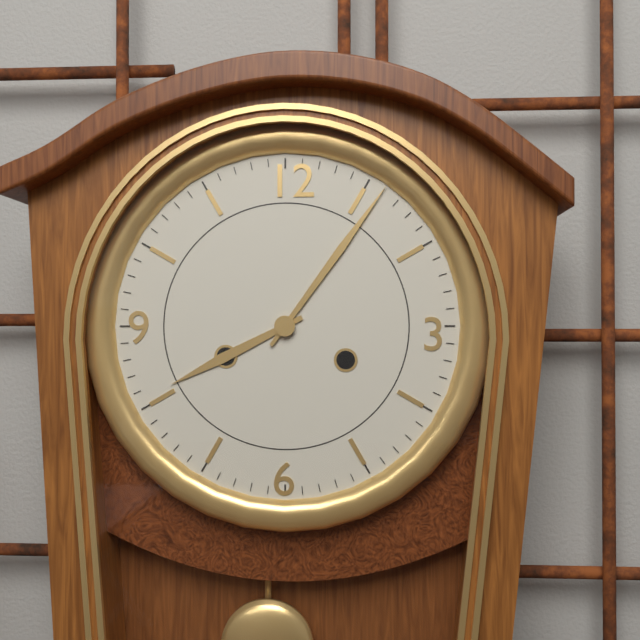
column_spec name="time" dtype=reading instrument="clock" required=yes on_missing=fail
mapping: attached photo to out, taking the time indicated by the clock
8:06
